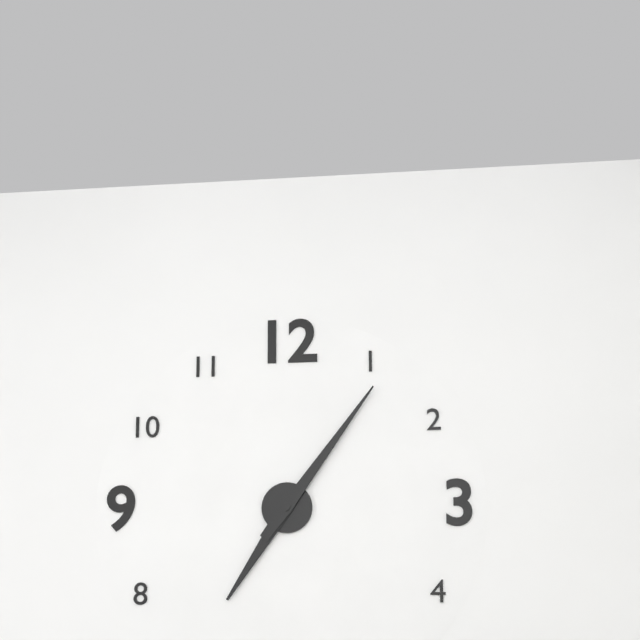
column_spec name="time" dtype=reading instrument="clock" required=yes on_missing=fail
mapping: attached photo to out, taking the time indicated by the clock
7:06
